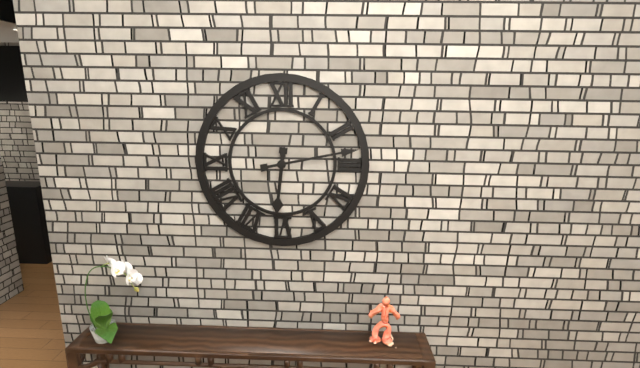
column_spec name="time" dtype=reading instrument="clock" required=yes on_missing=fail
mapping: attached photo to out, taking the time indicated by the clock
6:13
